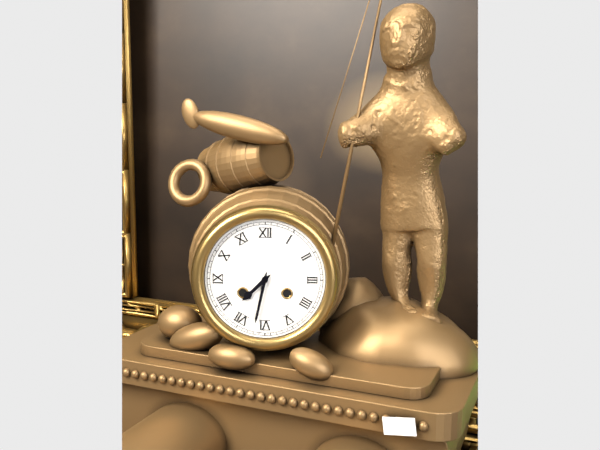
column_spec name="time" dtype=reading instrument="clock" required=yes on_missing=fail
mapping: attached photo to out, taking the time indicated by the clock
7:32
